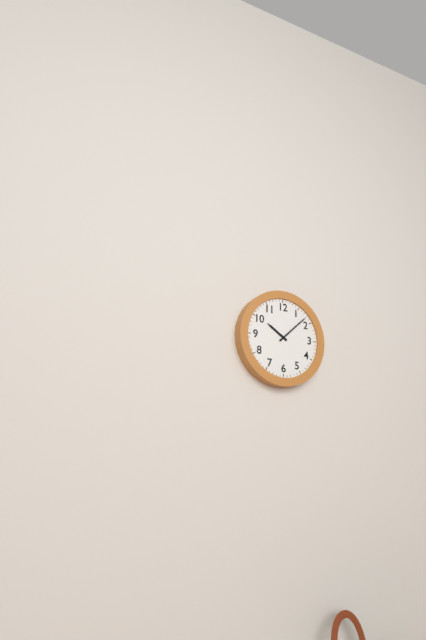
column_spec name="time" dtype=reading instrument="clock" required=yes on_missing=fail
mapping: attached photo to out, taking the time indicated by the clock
10:08
